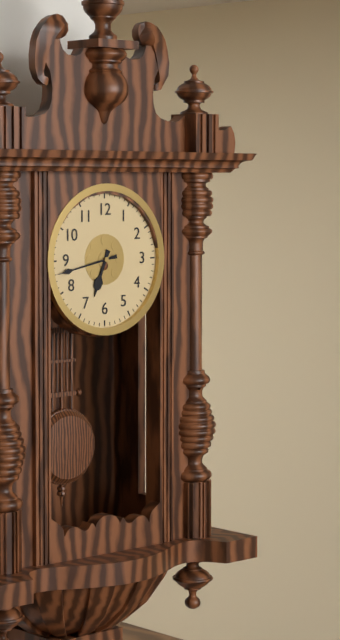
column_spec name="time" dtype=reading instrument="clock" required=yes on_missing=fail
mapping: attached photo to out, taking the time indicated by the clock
6:43
